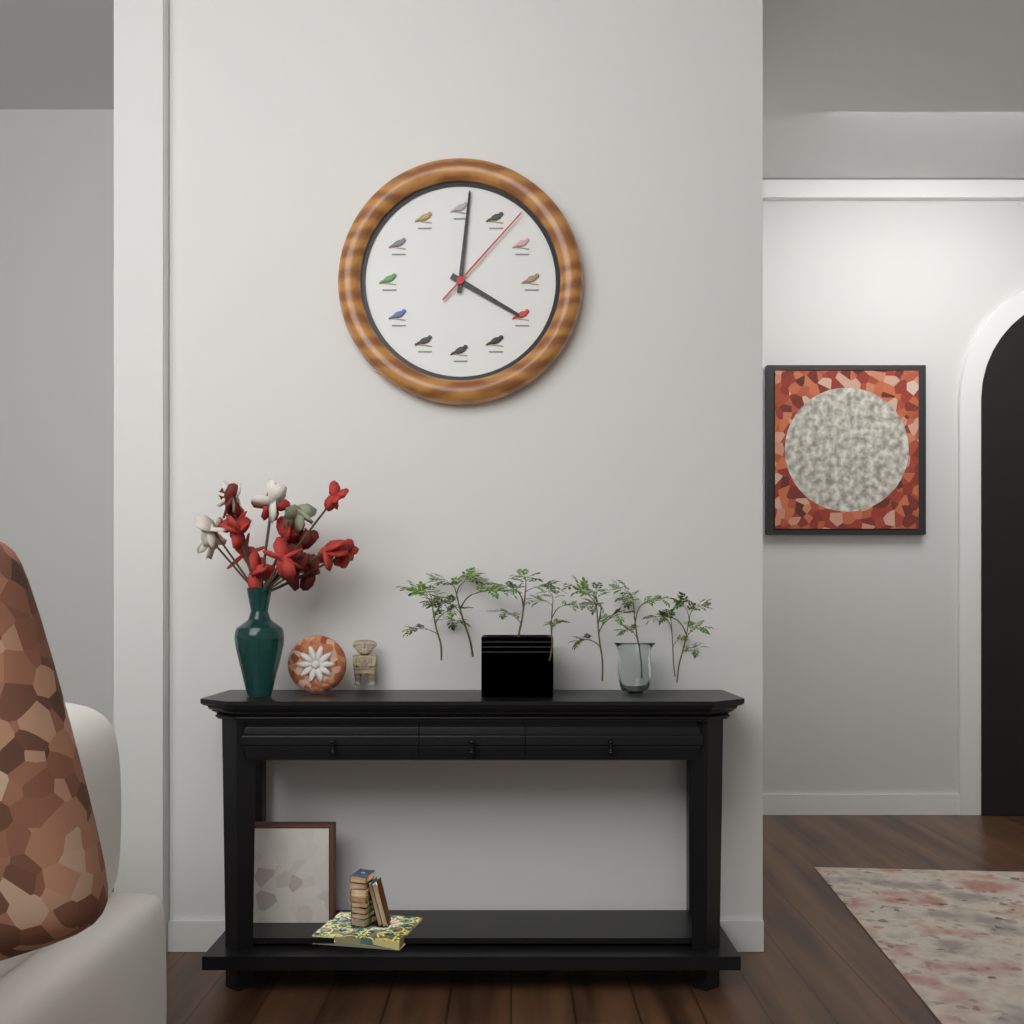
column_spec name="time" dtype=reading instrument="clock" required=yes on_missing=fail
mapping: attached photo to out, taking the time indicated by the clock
4:01:07
